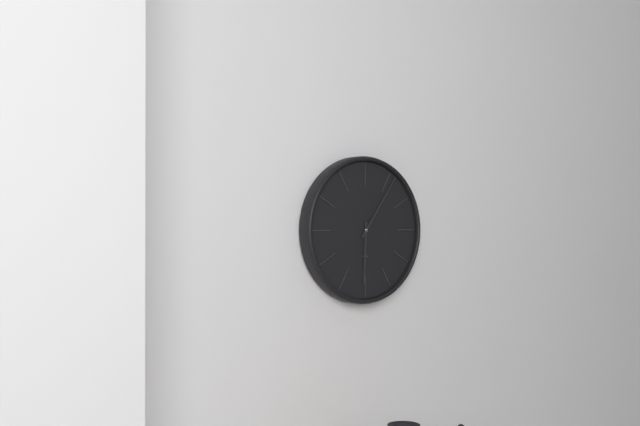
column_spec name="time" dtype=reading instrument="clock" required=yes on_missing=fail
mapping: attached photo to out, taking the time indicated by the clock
6:06
